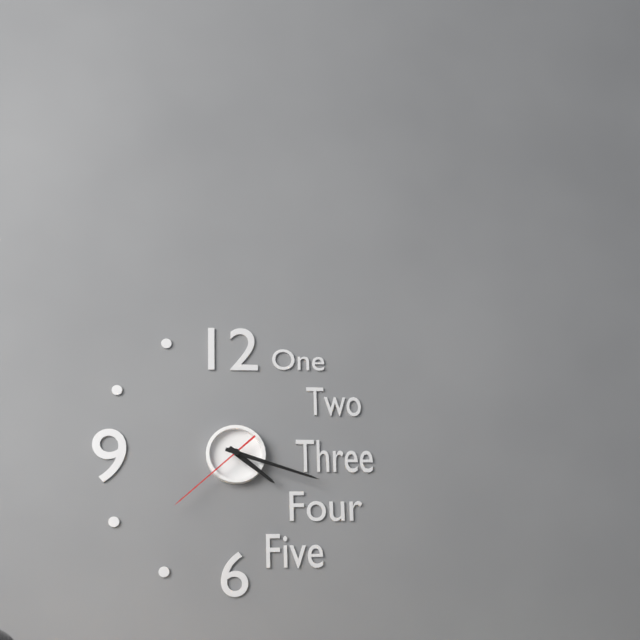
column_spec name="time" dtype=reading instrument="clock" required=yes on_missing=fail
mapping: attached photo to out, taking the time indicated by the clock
4:18:38
